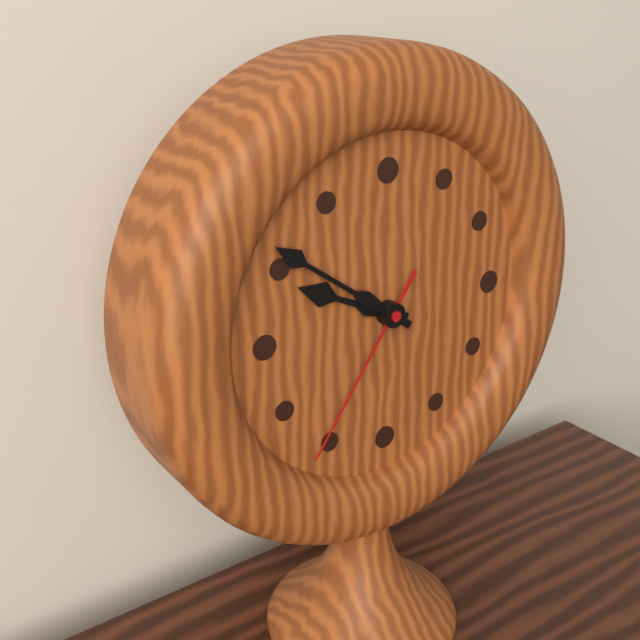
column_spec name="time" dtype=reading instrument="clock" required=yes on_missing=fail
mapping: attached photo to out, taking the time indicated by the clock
9:51:36
